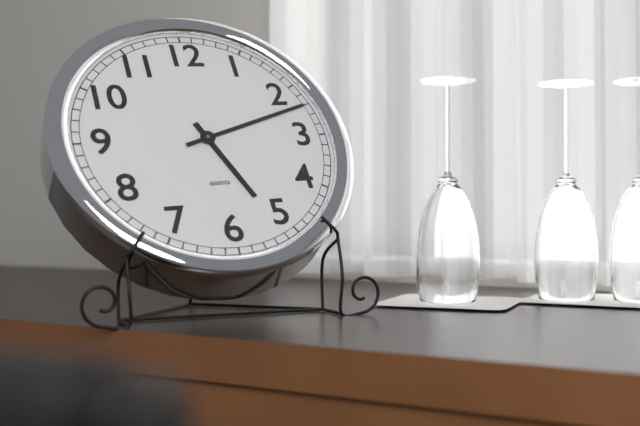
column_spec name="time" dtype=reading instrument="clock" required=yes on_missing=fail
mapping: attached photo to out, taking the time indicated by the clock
5:12
